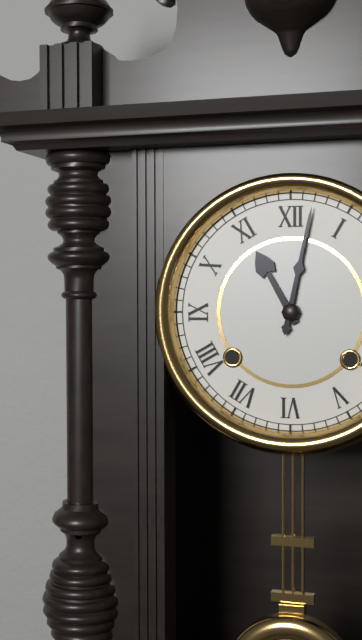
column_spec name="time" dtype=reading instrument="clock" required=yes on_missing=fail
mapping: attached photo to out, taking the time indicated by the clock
11:02
